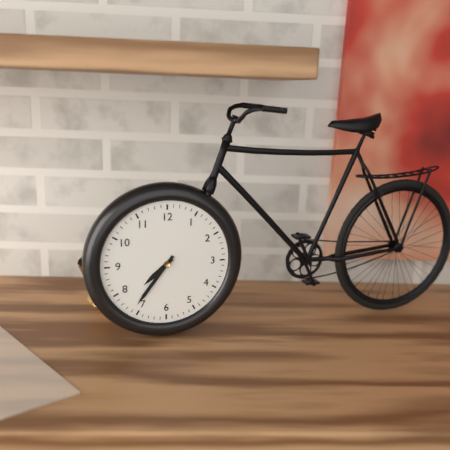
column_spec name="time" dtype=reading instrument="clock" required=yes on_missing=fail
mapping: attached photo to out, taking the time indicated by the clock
7:36
